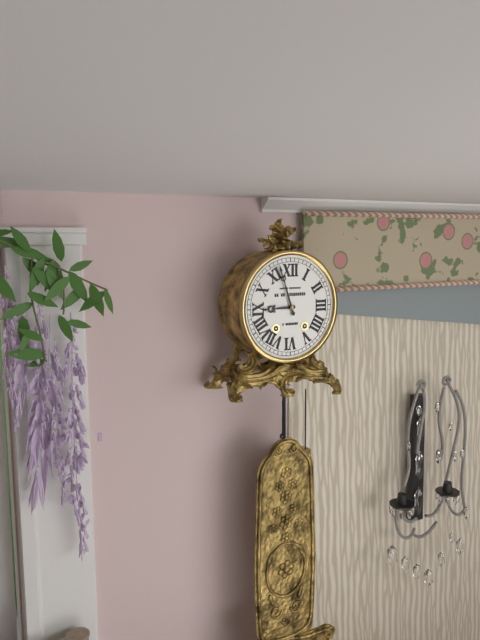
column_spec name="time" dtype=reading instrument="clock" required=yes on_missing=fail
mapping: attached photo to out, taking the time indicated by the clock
8:57
